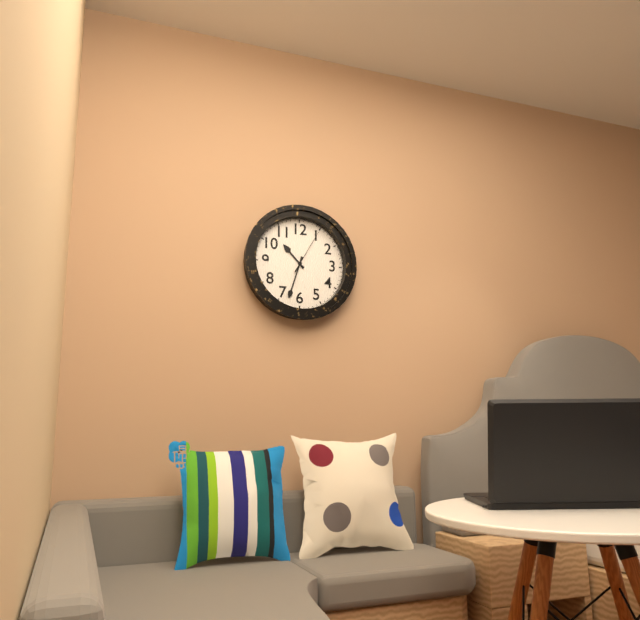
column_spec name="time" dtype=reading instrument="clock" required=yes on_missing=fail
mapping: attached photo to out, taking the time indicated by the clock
10:33
